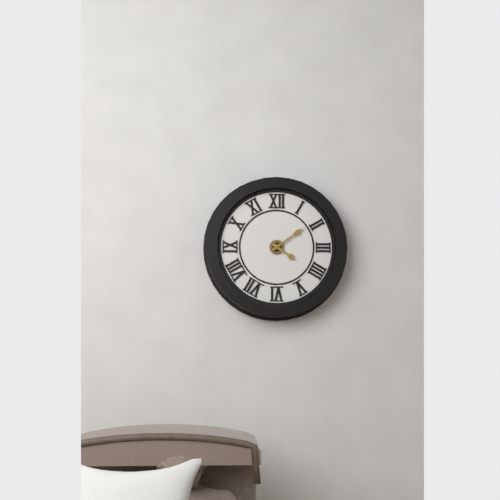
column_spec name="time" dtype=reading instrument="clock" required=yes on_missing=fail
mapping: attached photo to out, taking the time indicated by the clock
4:09
